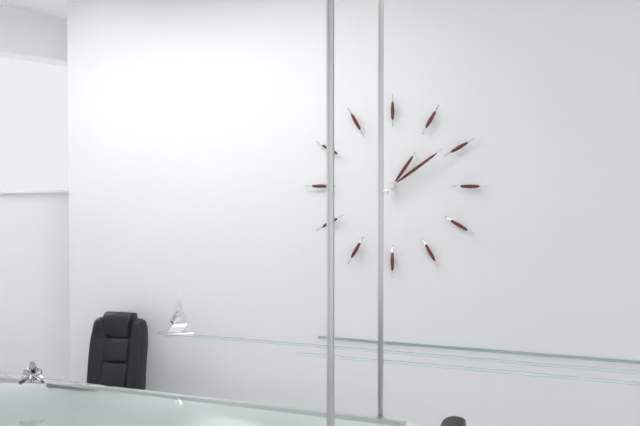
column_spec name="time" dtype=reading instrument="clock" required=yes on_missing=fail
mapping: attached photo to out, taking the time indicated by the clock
1:09
